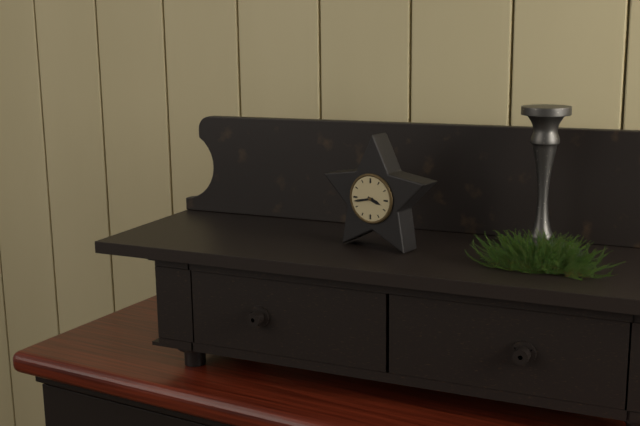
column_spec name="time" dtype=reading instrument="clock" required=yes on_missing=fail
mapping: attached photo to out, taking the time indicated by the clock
3:43
